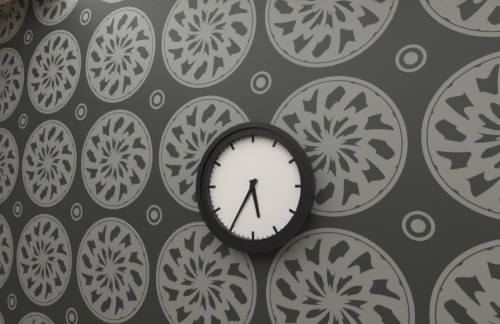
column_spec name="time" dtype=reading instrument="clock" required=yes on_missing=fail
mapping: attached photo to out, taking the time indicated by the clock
5:35
